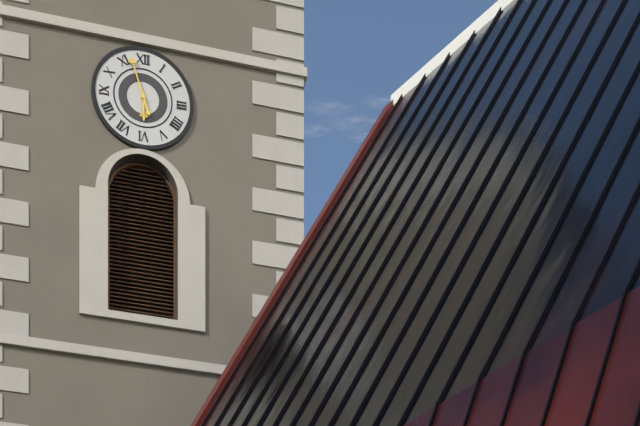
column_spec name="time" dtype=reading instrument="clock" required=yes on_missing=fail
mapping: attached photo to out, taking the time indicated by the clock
5:57
